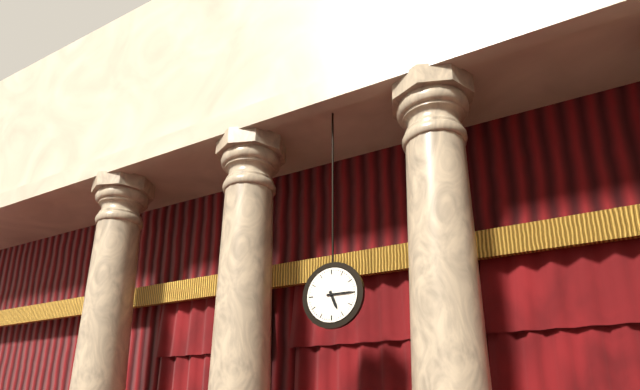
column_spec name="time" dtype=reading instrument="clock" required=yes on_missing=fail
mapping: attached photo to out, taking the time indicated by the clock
5:15
